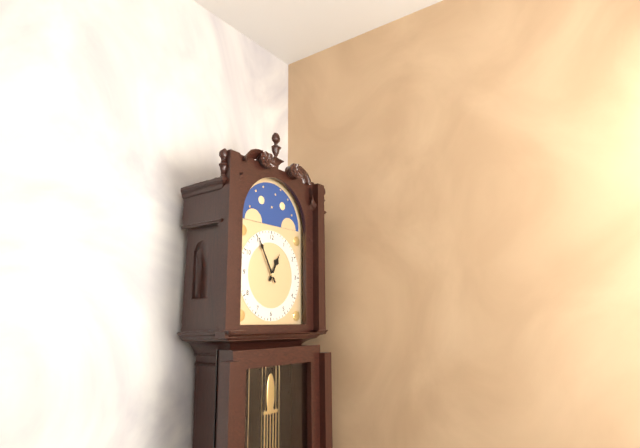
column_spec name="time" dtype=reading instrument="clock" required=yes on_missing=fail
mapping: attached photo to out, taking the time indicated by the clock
12:55
